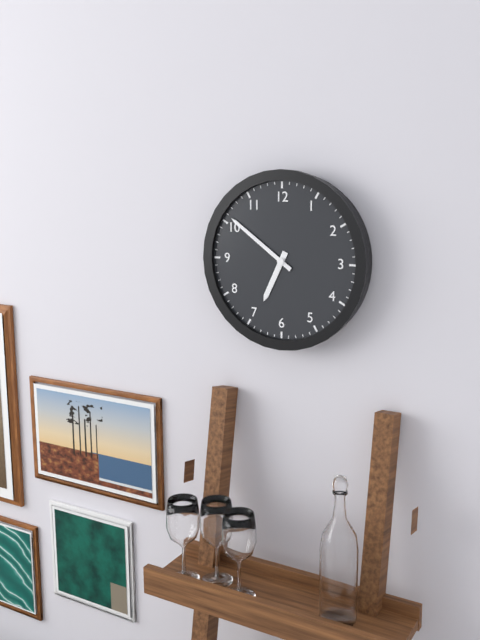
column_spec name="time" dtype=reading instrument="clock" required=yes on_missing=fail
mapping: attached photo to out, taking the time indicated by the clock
6:51
